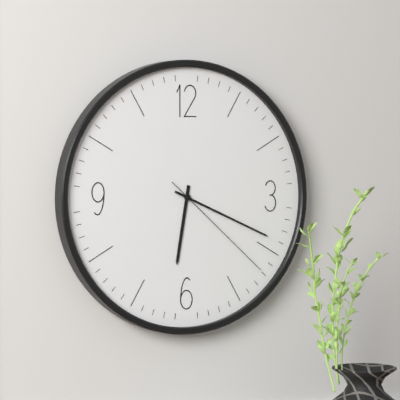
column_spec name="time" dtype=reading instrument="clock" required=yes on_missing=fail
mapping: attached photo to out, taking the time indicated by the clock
6:19:22
